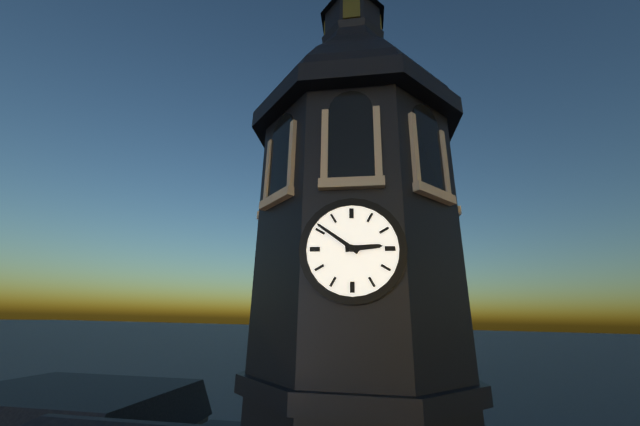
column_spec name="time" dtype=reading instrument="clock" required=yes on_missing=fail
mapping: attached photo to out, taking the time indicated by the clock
2:51
